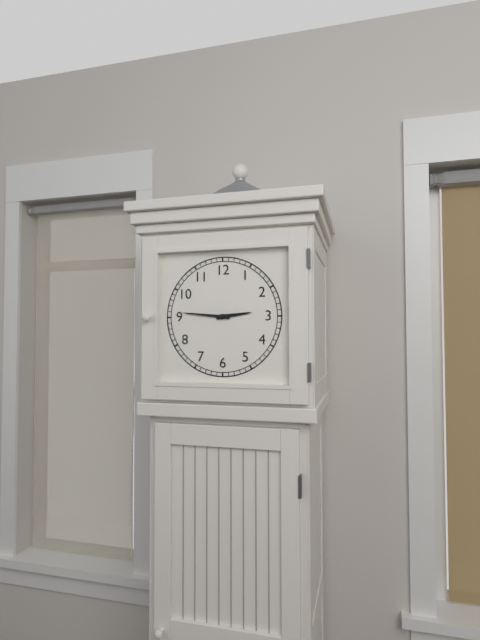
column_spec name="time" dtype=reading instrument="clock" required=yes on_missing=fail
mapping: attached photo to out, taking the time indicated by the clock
2:46
